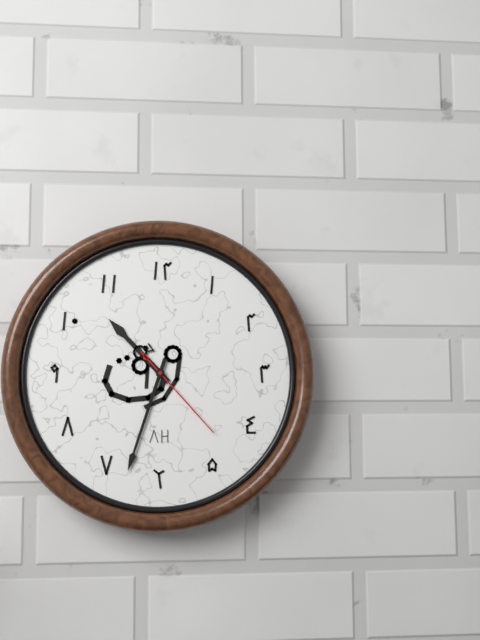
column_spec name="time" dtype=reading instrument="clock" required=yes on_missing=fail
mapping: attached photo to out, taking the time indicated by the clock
10:33:23
